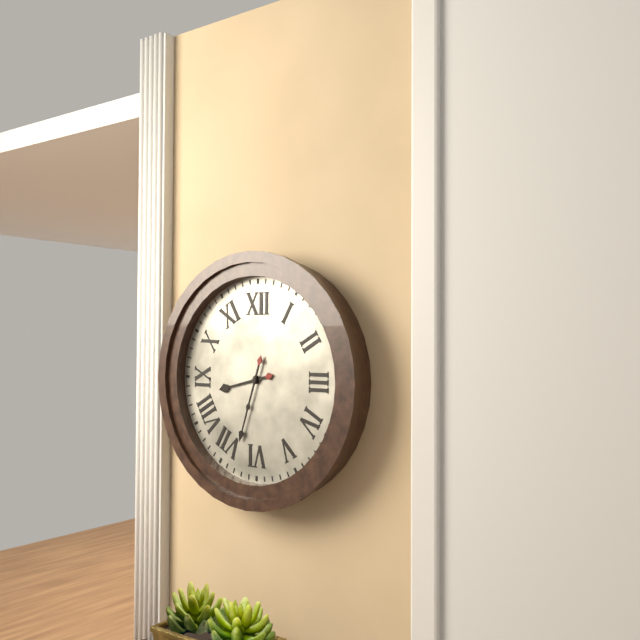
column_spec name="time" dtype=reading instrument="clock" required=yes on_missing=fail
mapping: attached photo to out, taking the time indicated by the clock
8:33
